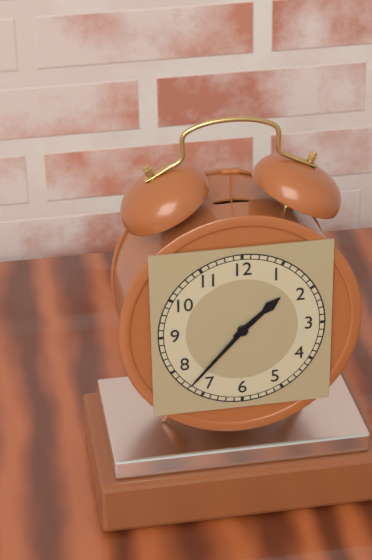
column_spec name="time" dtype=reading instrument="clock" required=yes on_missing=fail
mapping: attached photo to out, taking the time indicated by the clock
1:37
